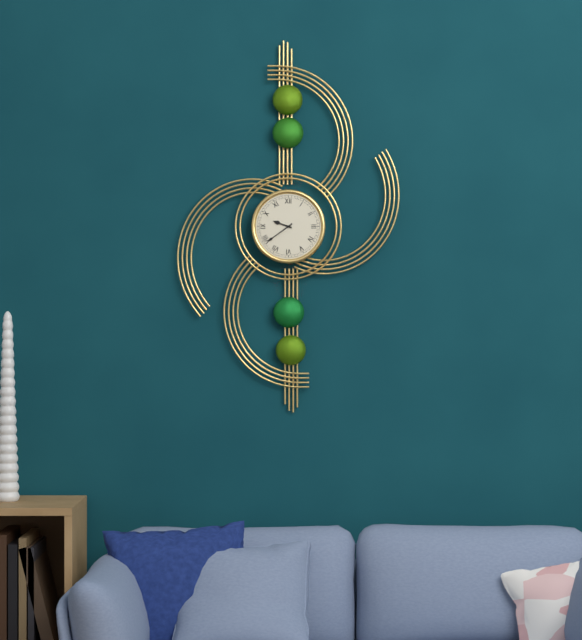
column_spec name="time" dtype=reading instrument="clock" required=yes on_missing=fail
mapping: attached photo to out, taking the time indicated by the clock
9:39
